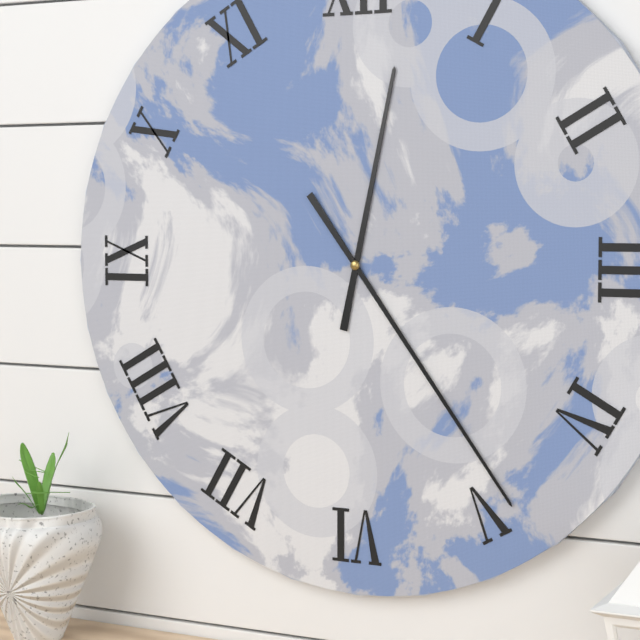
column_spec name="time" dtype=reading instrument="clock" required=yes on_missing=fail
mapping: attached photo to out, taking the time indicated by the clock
12:24
